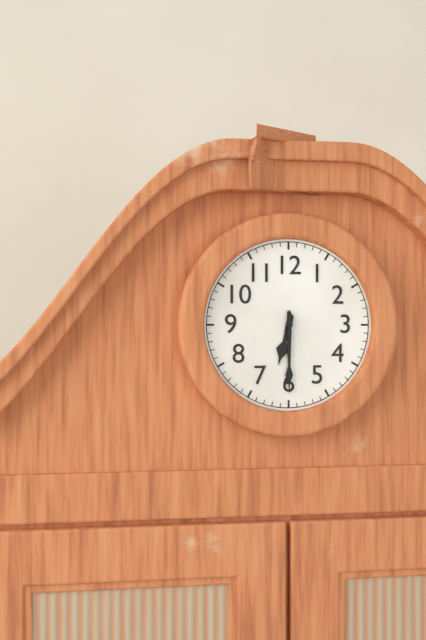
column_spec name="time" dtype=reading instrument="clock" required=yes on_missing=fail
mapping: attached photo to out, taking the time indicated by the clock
6:30
